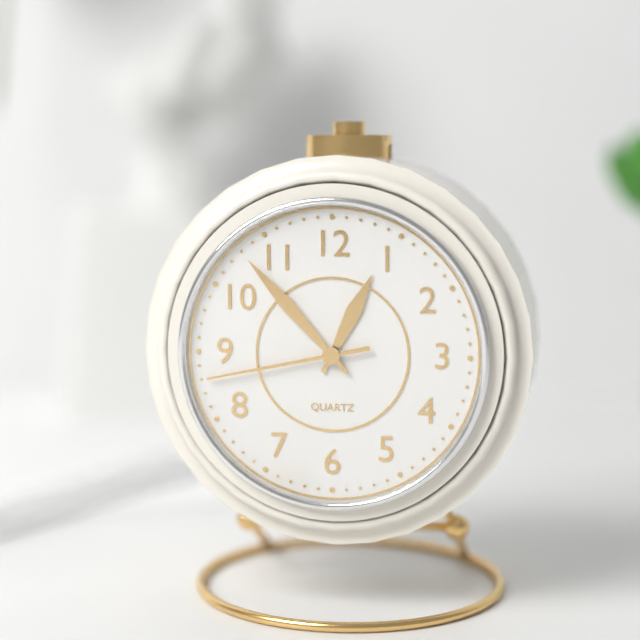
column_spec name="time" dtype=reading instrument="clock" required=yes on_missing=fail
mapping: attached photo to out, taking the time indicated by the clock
12:53:43
